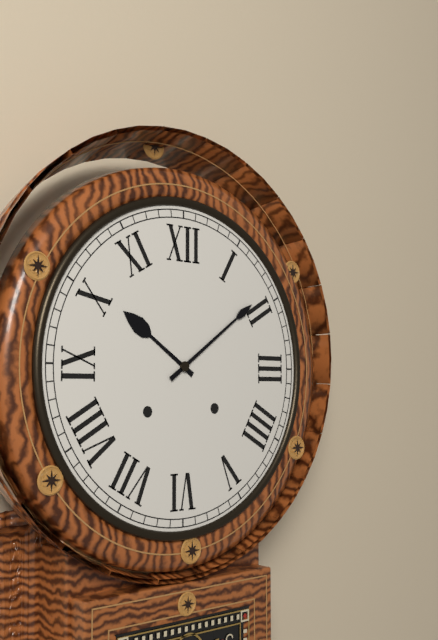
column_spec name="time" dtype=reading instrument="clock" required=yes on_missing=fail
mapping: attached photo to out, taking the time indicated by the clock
10:09
